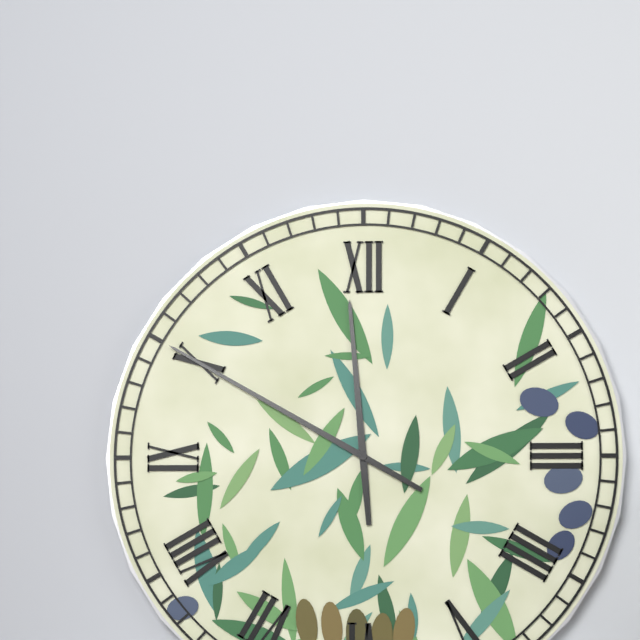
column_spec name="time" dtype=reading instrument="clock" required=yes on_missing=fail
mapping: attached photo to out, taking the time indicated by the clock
11:50
